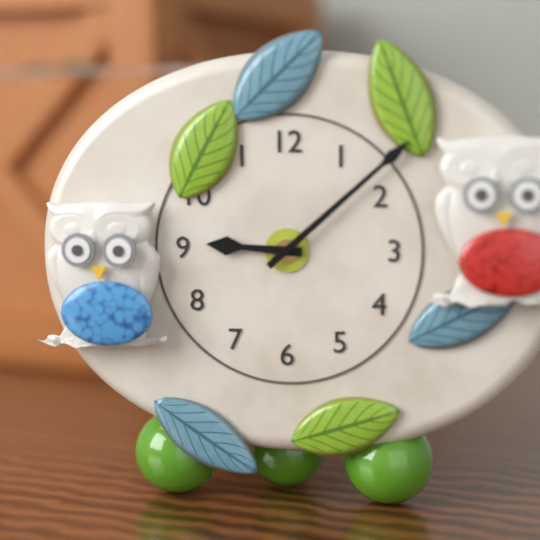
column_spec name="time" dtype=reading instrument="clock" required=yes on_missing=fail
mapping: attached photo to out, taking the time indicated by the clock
9:08
